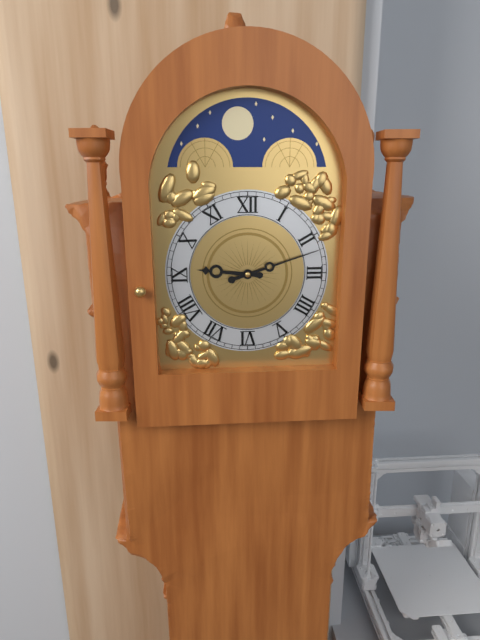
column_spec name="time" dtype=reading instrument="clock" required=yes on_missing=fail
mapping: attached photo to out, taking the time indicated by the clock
9:12
